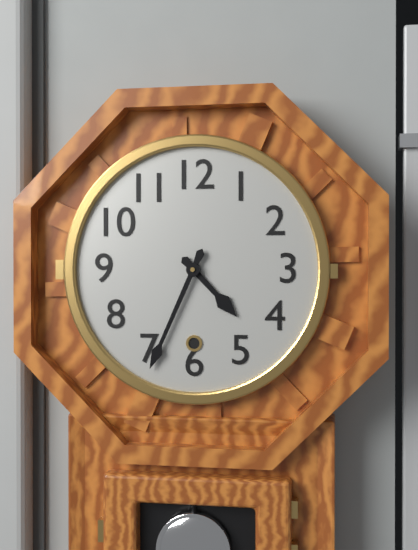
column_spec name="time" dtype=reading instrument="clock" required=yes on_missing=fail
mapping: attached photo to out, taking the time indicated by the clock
4:34
